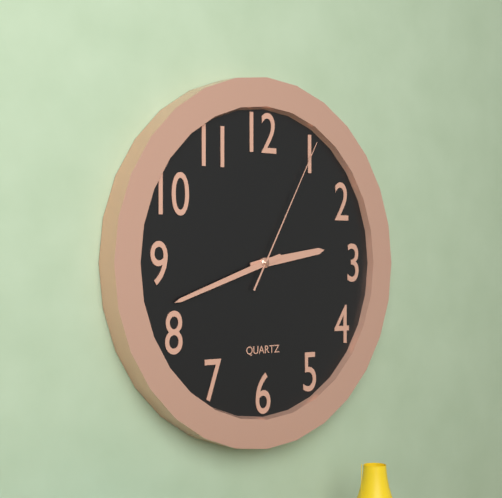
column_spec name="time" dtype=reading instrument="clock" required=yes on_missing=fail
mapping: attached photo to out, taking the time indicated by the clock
2:42:05
